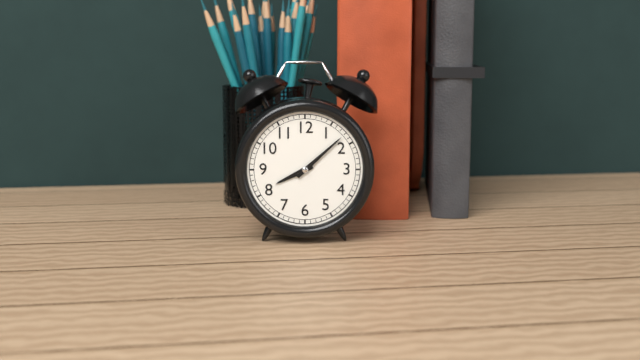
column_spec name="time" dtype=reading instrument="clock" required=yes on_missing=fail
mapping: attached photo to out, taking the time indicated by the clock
8:08
